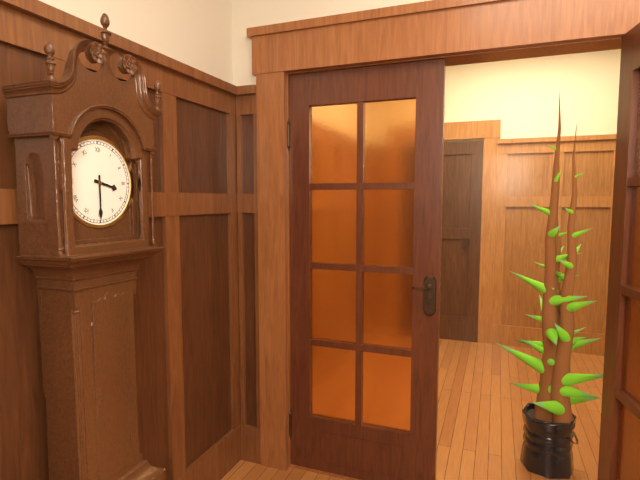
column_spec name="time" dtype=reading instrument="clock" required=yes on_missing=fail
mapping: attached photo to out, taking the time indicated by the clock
3:30
